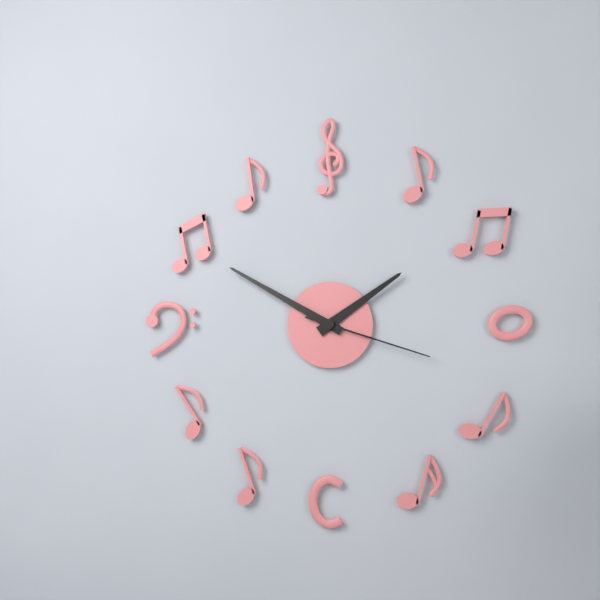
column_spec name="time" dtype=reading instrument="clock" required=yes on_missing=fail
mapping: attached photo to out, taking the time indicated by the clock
1:50:18
